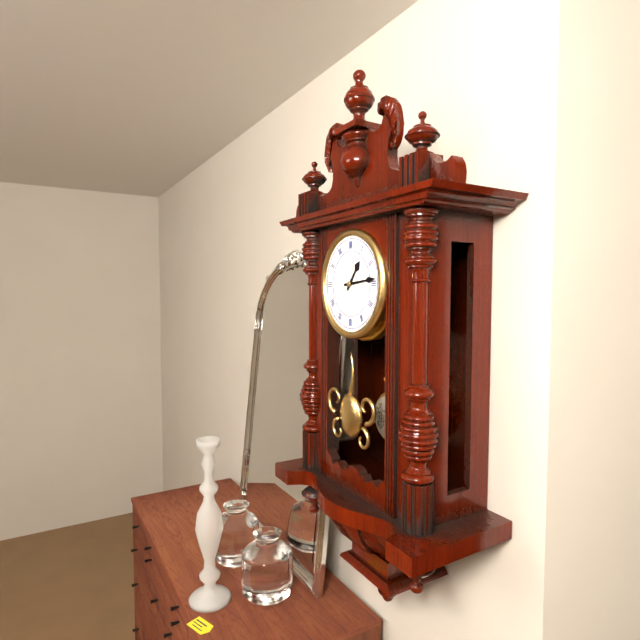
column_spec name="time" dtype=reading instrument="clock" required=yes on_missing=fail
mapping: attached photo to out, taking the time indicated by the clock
1:14
